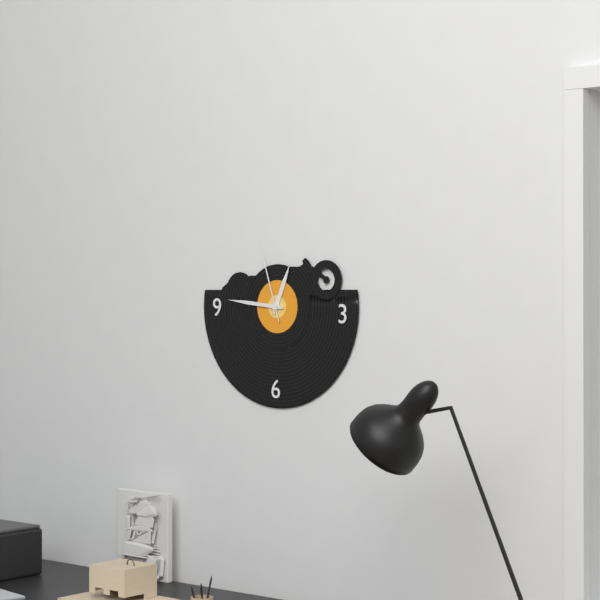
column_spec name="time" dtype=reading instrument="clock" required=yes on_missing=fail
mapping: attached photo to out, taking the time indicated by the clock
12:46:57
